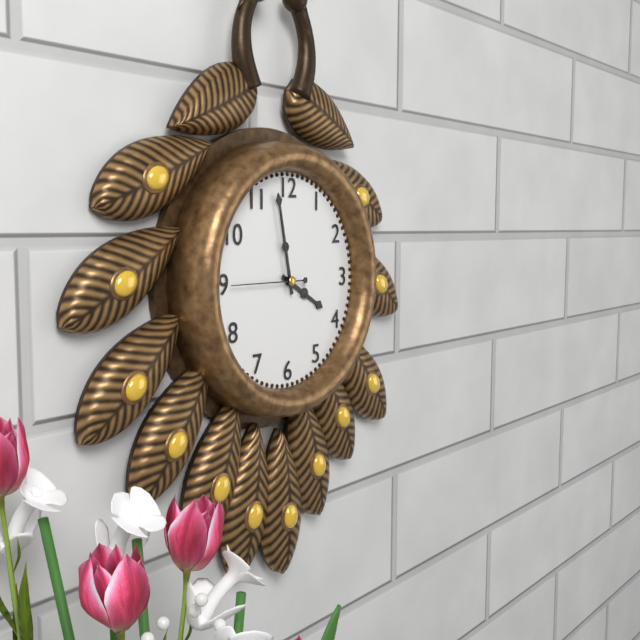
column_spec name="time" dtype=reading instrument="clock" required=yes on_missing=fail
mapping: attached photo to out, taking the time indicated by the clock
3:58
